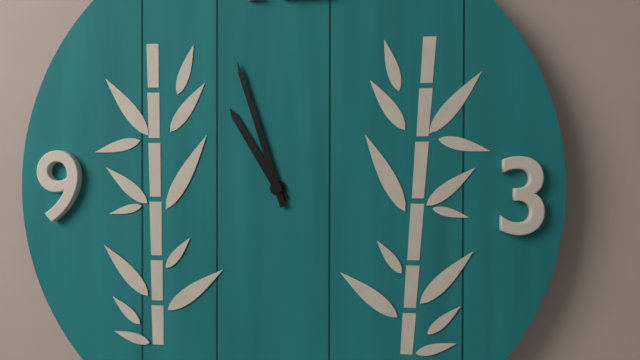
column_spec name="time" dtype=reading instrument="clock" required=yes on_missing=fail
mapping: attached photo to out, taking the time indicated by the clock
10:57
